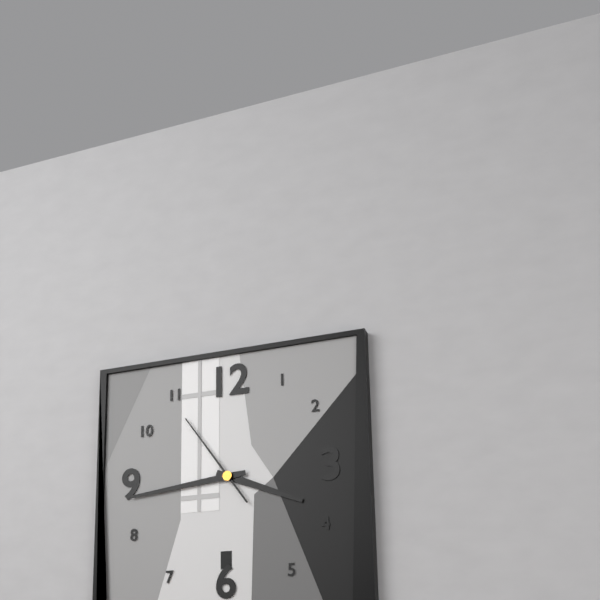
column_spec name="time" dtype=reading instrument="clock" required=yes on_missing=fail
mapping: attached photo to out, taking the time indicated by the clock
3:44:54
